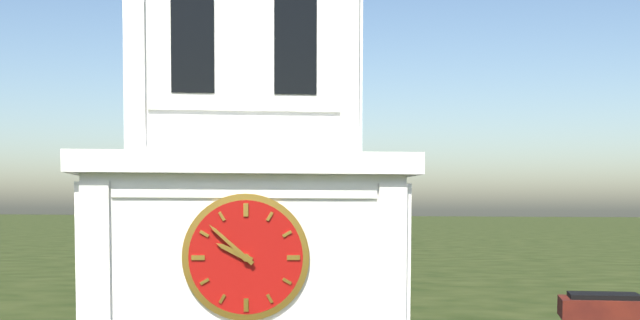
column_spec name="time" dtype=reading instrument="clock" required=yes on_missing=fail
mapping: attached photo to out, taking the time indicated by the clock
9:52
